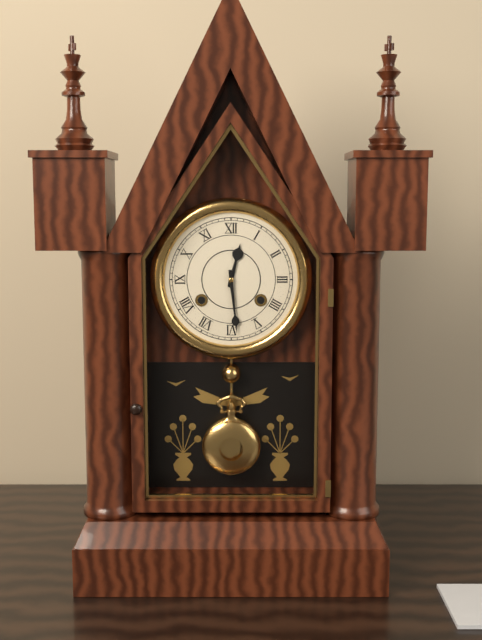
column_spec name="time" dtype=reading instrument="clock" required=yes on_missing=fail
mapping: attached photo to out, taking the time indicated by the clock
12:29
